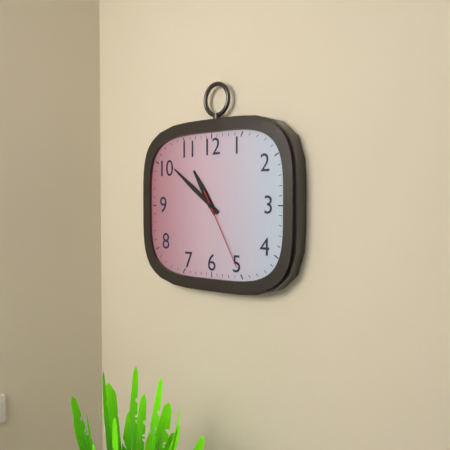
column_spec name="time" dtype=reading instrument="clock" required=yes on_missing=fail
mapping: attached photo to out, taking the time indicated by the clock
10:51:25
